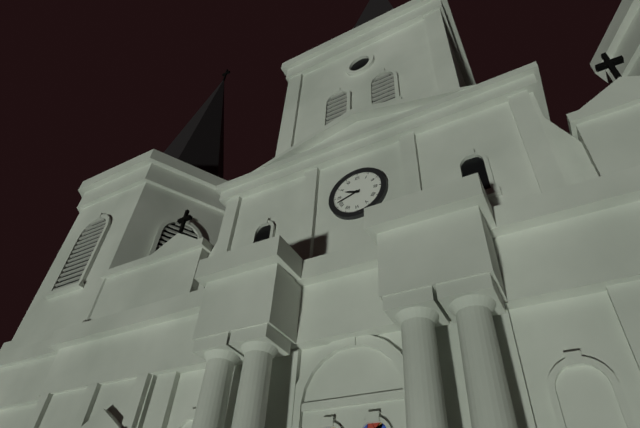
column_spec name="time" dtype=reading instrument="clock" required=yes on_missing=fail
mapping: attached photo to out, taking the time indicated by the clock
9:42
